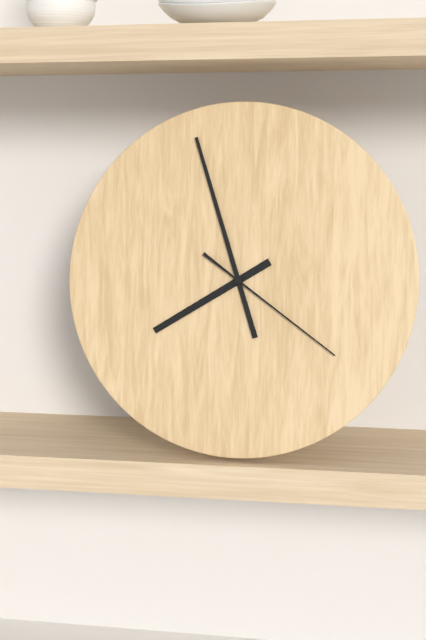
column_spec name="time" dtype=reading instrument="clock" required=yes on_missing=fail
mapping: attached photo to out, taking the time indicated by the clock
7:57:21
